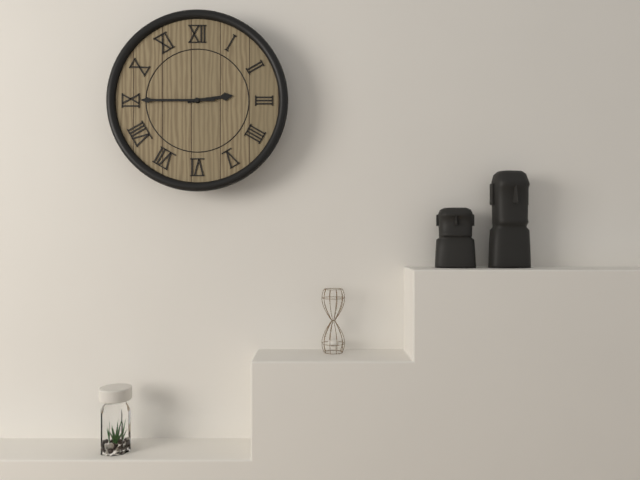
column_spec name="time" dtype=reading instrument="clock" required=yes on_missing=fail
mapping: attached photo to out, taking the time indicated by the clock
2:45
